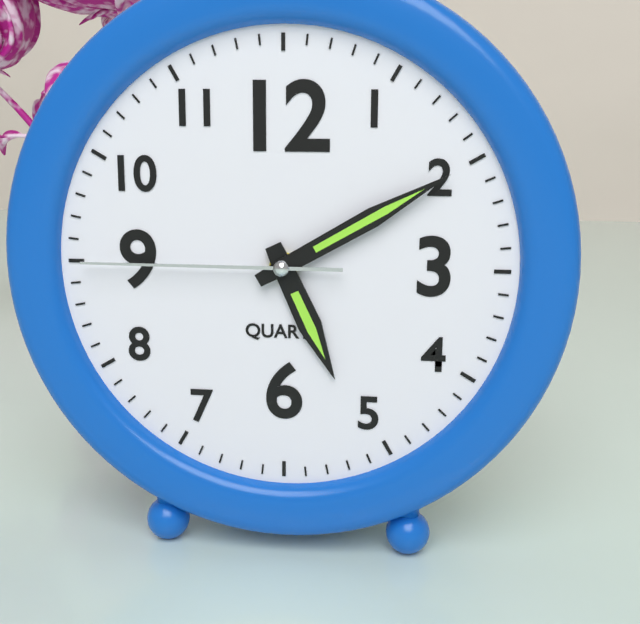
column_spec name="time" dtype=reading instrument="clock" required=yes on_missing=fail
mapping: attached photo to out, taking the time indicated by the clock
5:10:45
